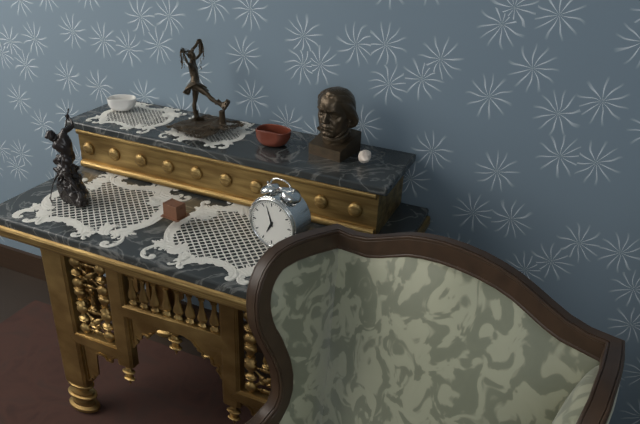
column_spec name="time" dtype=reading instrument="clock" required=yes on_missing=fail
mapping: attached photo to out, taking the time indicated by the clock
6:57
